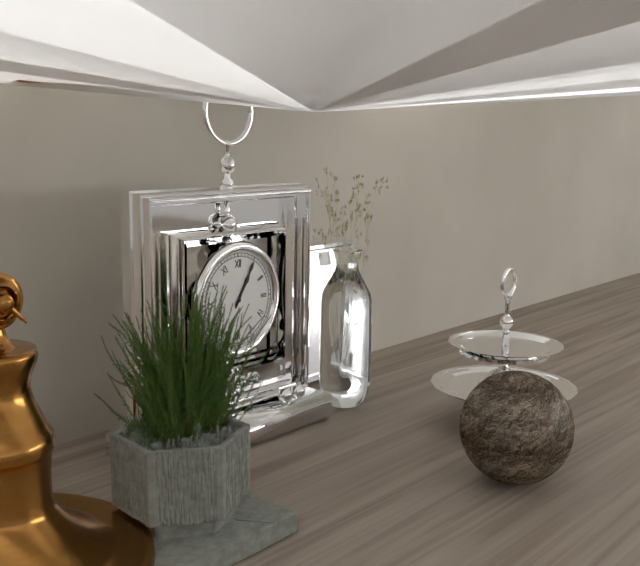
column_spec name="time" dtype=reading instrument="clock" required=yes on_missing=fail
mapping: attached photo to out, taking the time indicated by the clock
1:05
